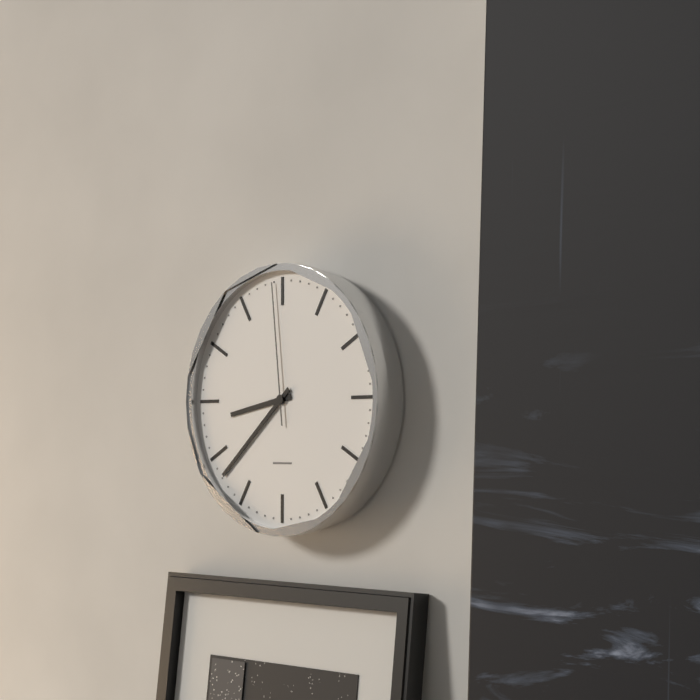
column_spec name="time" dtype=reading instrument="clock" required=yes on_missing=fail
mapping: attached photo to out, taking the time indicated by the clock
8:38:59
